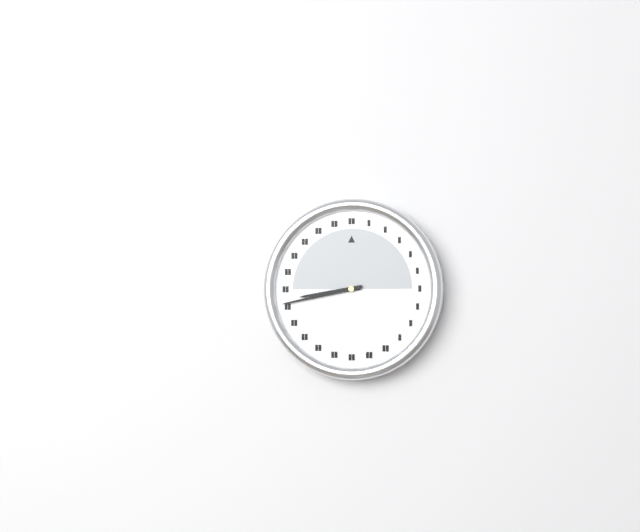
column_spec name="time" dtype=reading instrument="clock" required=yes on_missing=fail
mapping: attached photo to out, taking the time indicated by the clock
8:43
